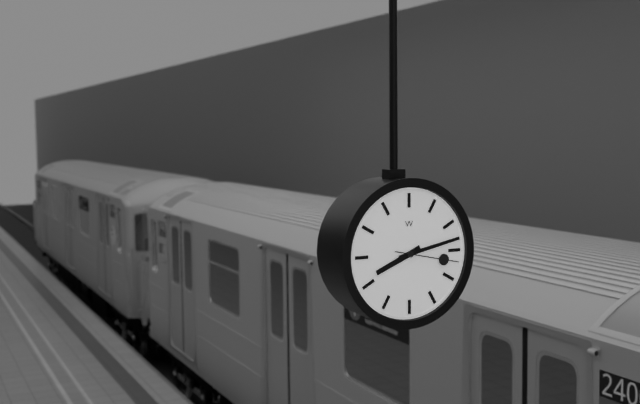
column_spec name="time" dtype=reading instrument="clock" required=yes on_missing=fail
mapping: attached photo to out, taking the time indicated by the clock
8:13:17
